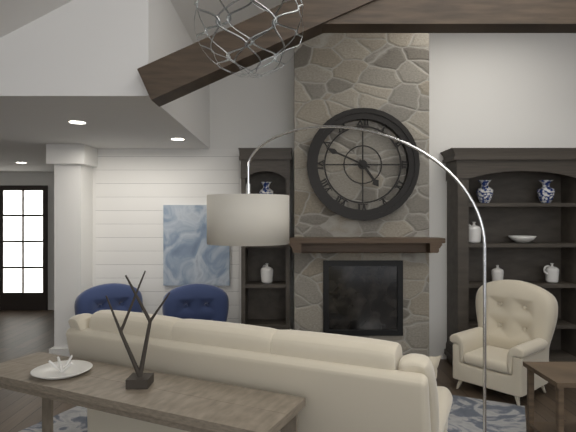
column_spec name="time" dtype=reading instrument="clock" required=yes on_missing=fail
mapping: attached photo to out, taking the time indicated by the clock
4:49
